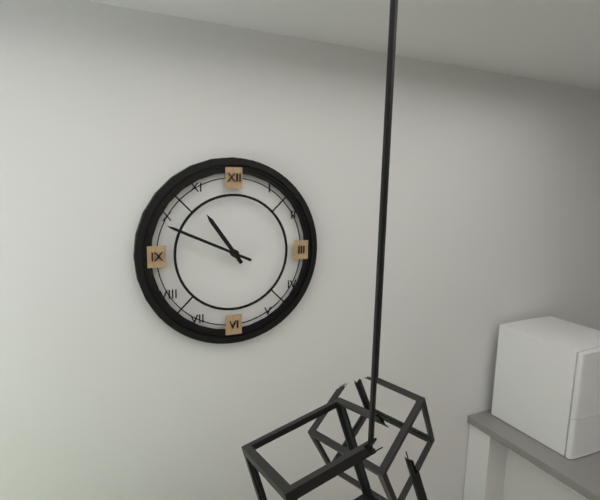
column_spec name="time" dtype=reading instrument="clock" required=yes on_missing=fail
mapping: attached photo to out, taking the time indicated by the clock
10:49
